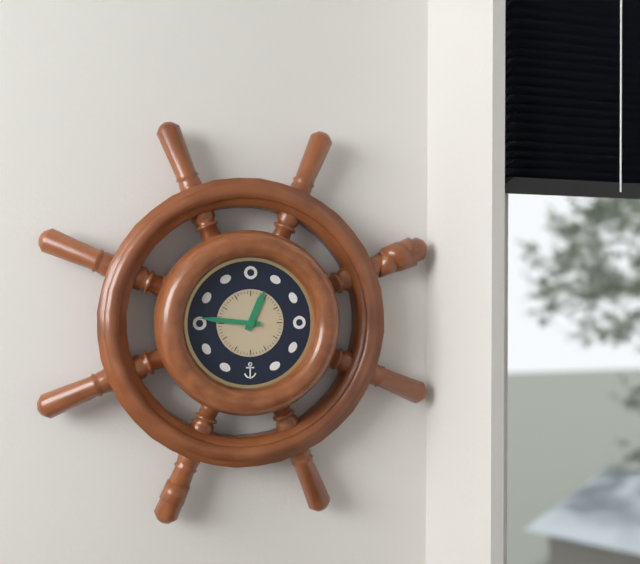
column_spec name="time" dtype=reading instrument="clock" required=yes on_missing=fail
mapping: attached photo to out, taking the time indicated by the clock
12:46
